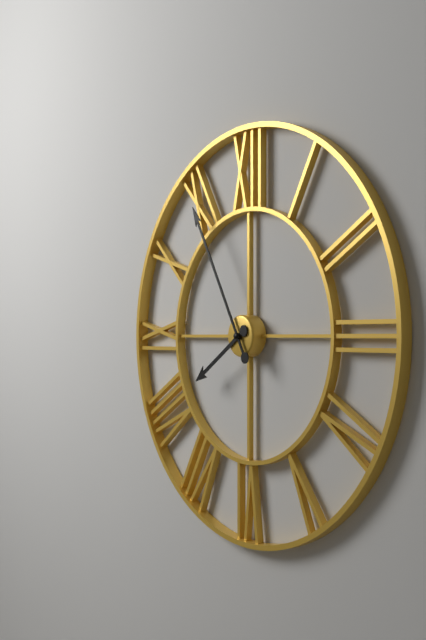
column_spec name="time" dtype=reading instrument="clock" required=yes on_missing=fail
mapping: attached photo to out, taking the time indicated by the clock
7:55
